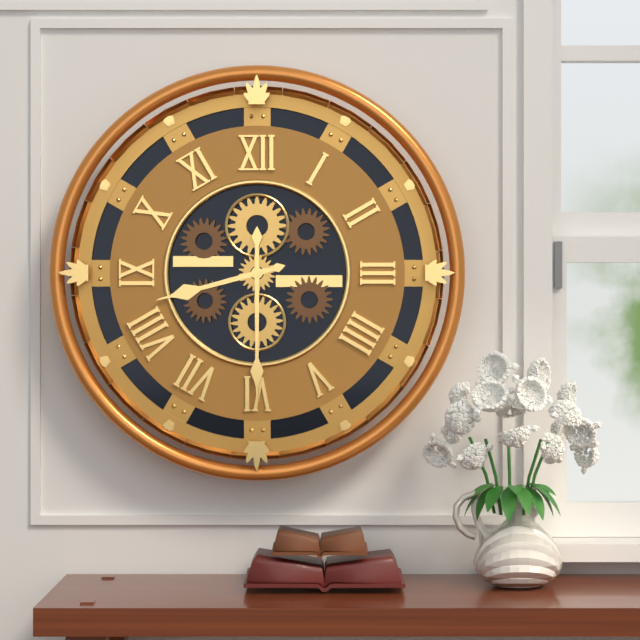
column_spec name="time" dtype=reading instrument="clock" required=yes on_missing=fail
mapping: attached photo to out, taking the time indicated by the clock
8:30
